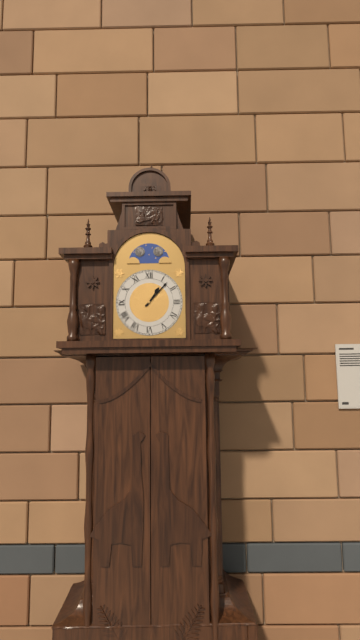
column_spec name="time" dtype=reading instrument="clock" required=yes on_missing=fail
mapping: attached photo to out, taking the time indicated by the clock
1:07
